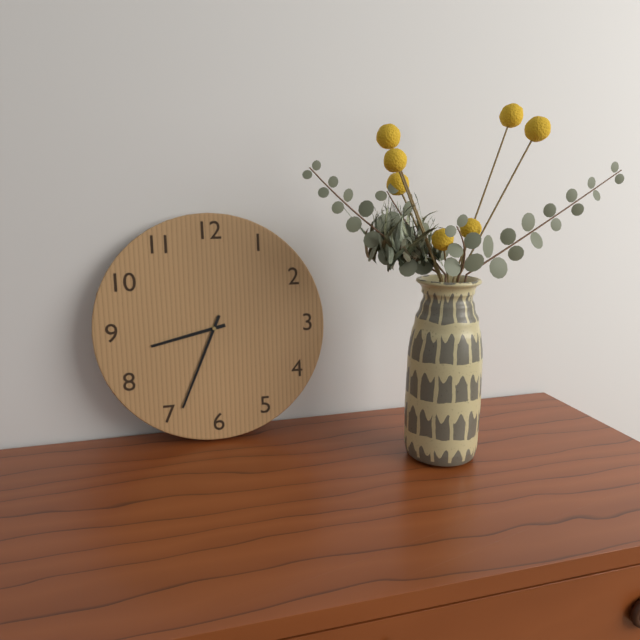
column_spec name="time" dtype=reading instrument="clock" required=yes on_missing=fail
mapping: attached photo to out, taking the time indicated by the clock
8:34
